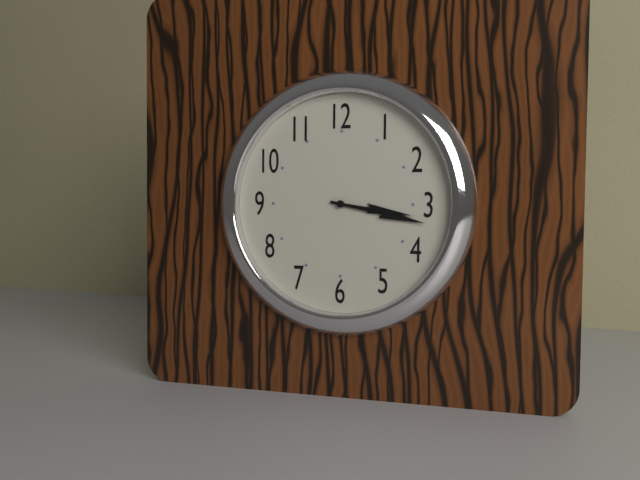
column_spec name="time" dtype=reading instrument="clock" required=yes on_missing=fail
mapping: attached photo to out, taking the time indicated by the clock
3:17
